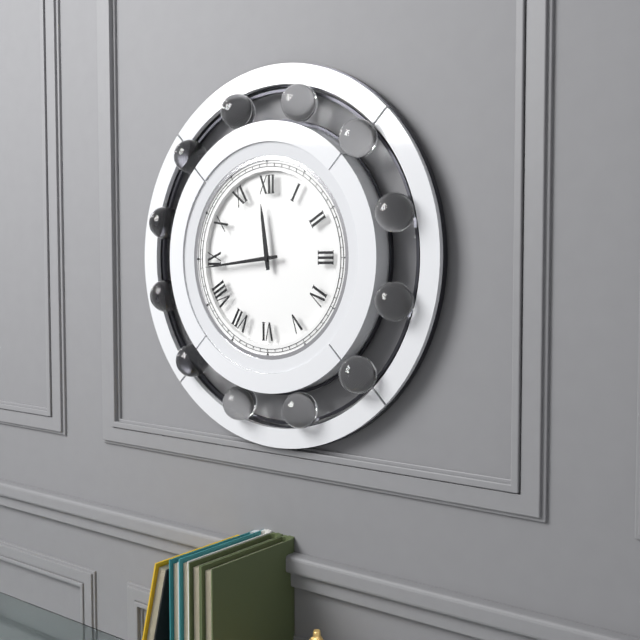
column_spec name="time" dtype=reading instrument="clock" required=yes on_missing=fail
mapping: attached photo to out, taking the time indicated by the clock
11:44
